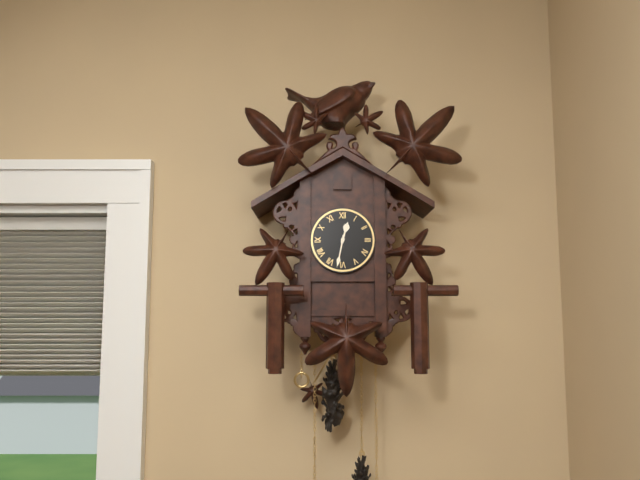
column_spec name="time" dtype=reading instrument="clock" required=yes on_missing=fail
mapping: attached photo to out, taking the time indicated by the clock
12:32
